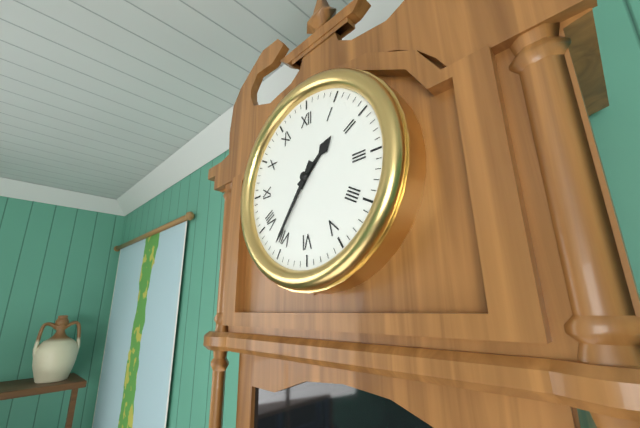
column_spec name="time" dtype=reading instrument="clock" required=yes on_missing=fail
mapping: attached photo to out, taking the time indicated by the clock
1:36
